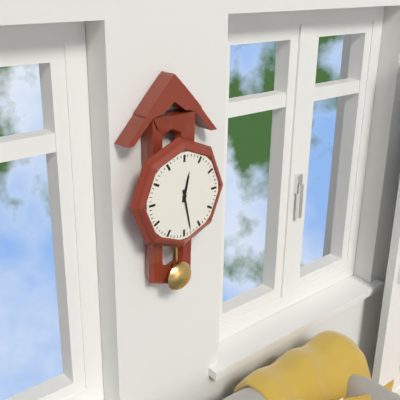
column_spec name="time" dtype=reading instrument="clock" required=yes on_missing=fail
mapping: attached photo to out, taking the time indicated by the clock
12:28
